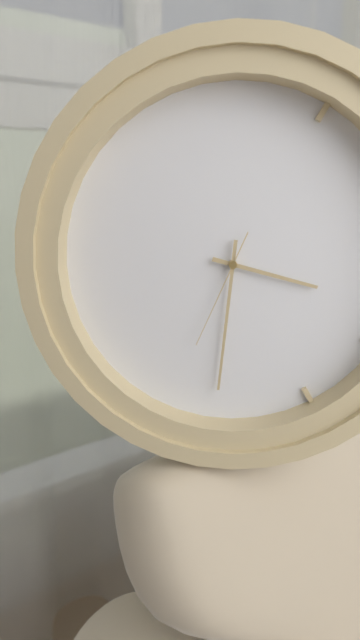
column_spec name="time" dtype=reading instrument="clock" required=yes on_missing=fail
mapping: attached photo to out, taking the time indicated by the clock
3:31:34
